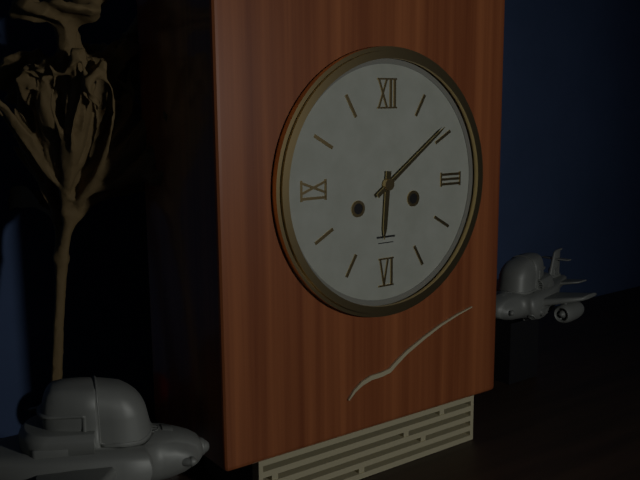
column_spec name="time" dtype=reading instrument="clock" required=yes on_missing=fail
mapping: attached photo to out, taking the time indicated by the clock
6:09
